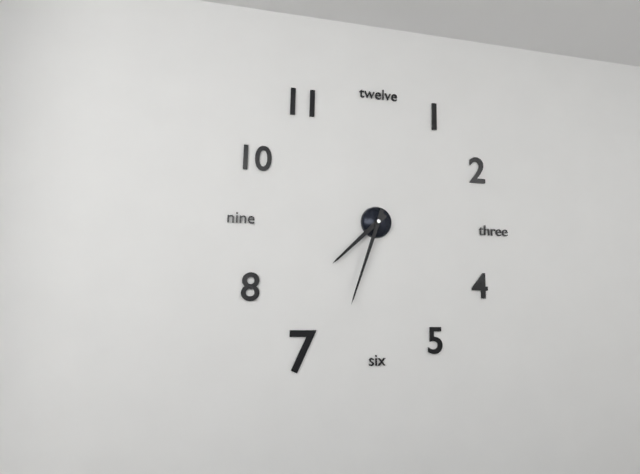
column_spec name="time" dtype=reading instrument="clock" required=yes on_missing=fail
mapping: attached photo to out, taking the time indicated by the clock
7:33
